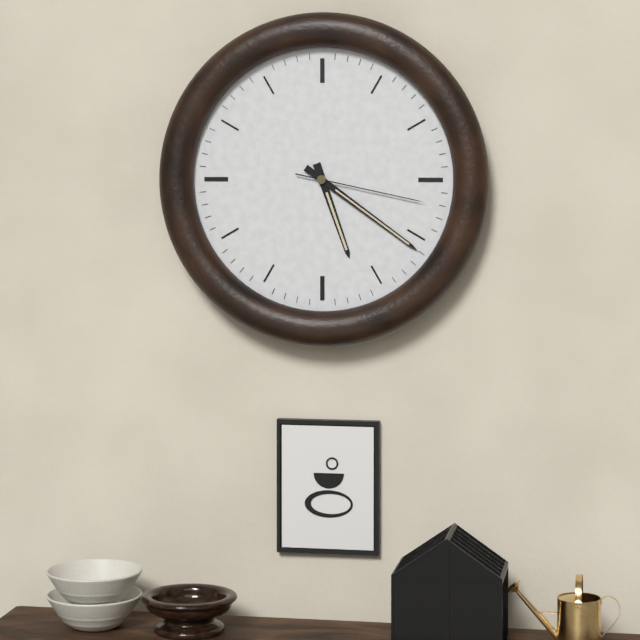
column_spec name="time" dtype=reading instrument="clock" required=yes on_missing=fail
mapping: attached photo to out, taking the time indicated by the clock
5:21:17
